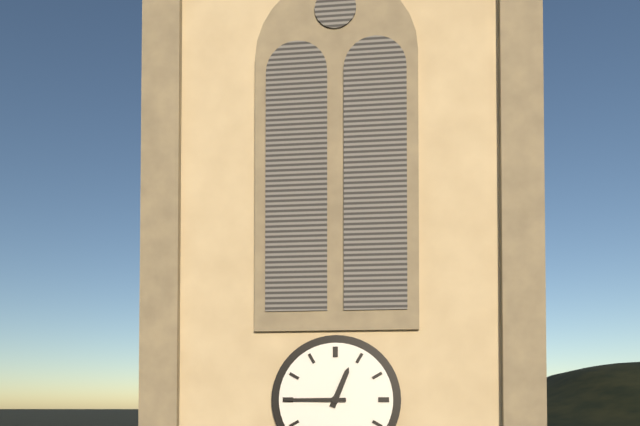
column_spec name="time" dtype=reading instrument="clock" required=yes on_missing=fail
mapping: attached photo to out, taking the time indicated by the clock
12:45
